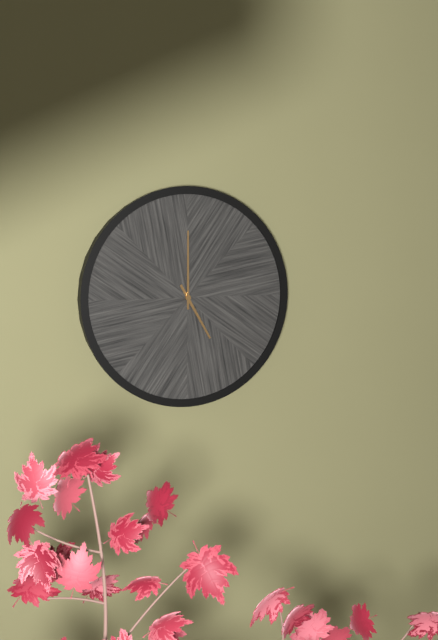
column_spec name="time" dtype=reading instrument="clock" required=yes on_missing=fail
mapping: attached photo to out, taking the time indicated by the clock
5:00
